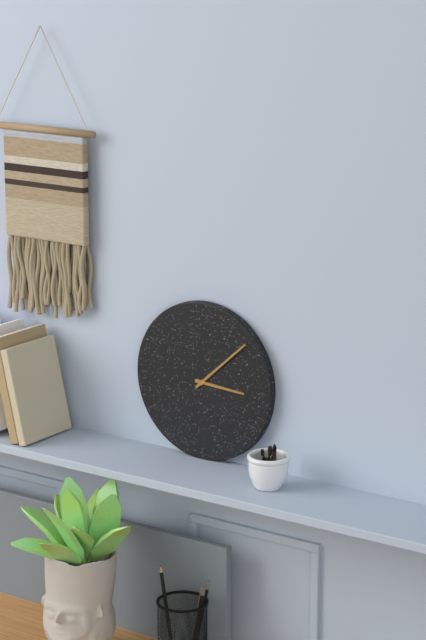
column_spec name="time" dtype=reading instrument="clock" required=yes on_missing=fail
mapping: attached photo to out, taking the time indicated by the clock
3:08
